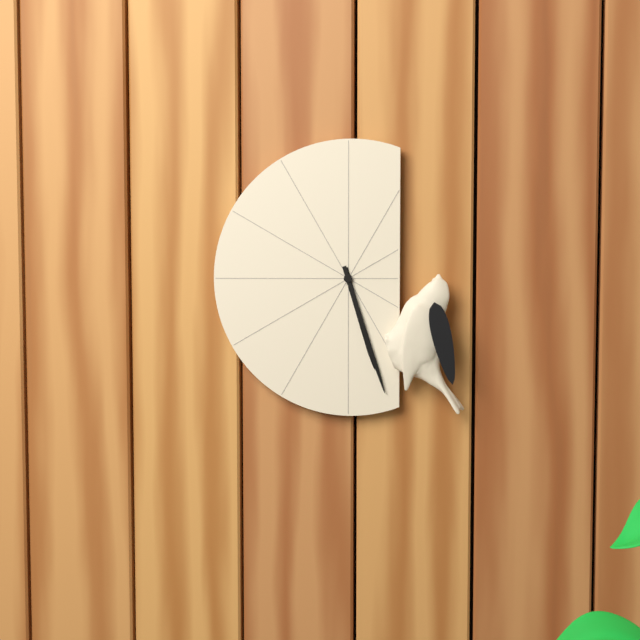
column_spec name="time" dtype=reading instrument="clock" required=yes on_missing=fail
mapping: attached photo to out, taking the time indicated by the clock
5:27
